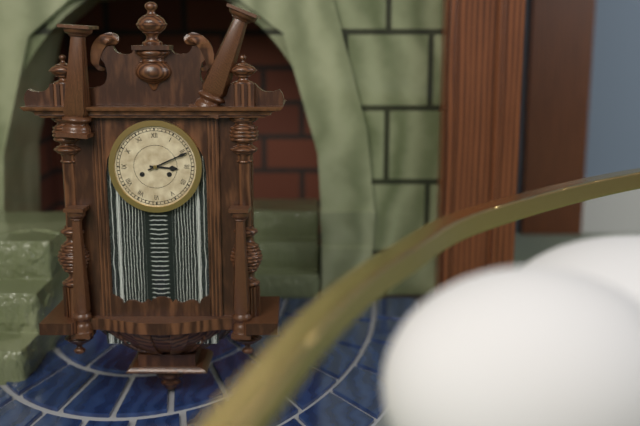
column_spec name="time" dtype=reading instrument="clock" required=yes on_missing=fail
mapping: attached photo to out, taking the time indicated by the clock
3:11
